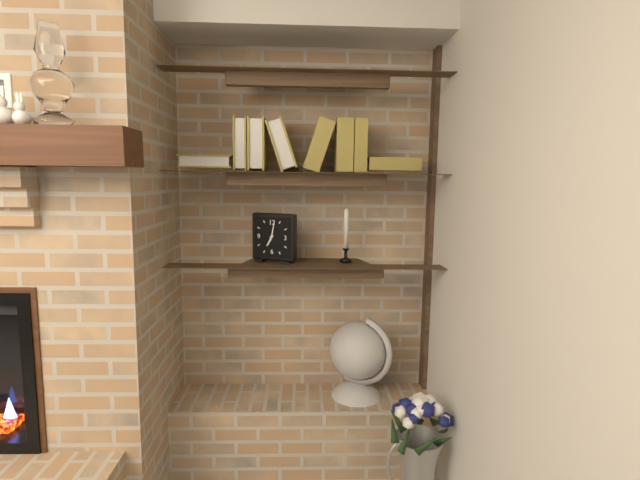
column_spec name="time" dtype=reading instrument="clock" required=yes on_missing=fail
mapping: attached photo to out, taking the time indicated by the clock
7:02
